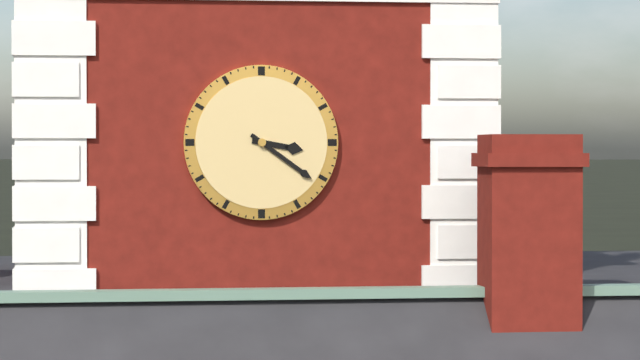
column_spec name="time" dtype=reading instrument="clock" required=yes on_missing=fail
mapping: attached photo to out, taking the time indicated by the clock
3:21
